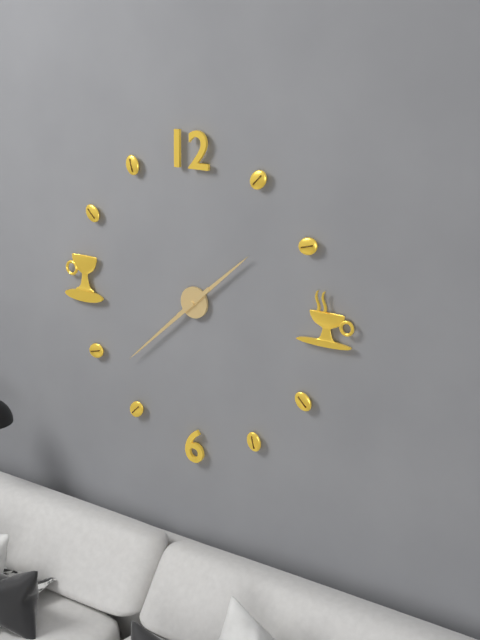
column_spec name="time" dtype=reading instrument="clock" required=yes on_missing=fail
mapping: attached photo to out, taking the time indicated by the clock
1:38
